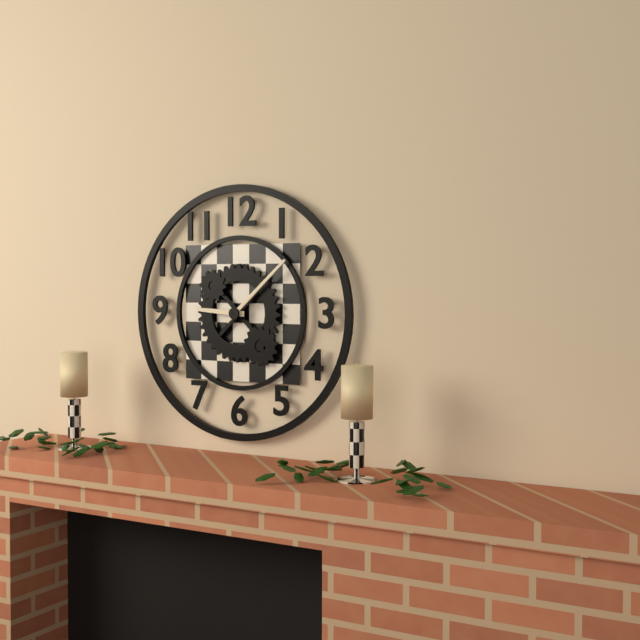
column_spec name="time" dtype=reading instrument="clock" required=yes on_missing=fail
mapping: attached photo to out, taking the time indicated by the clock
9:08
